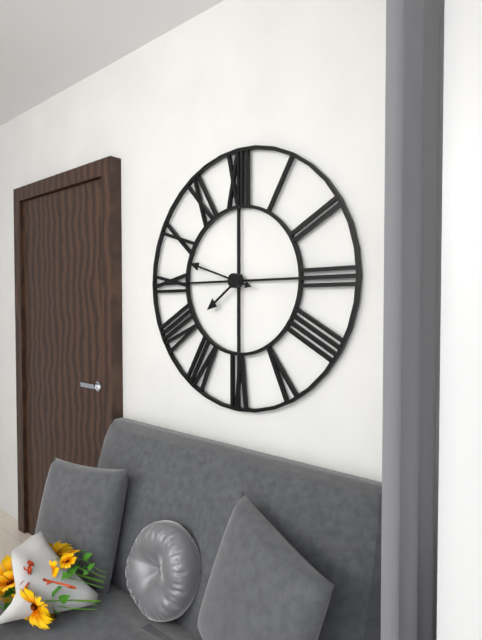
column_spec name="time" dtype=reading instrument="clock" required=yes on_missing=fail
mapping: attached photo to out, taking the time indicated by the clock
7:48
